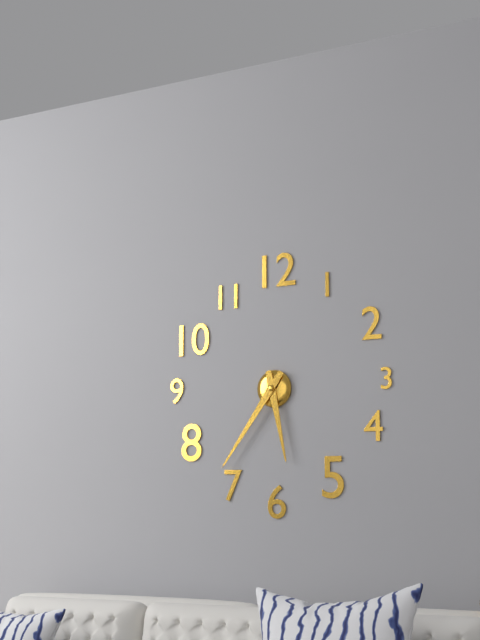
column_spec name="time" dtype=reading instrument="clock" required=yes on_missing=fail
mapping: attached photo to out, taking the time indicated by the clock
5:36
